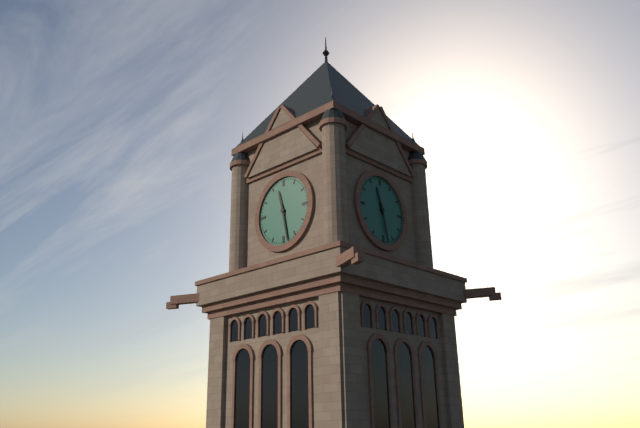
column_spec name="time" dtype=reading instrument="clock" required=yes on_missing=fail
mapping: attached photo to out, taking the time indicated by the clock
11:28
